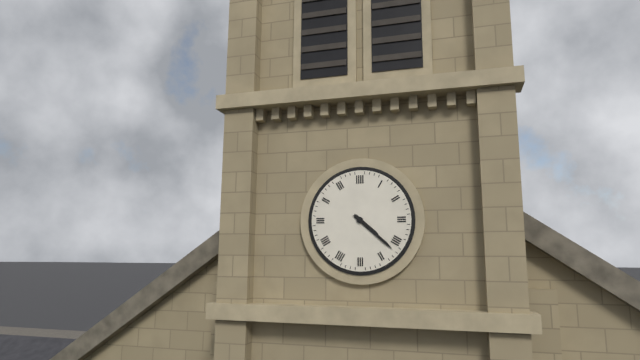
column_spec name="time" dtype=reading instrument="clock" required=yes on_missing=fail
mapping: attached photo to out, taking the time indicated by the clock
4:22
